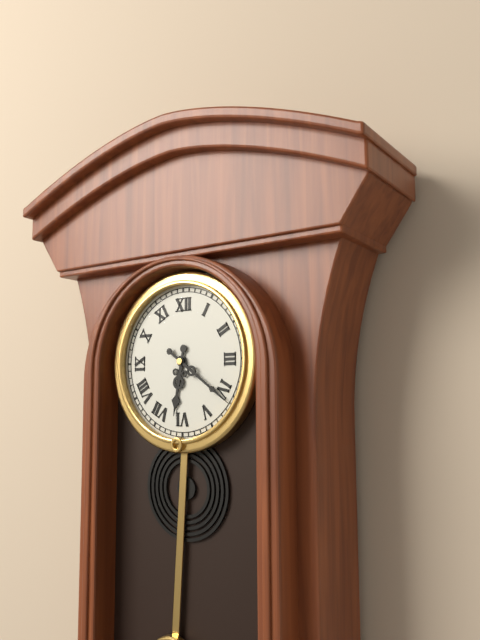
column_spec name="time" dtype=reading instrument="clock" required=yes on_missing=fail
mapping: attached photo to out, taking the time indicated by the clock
6:21
